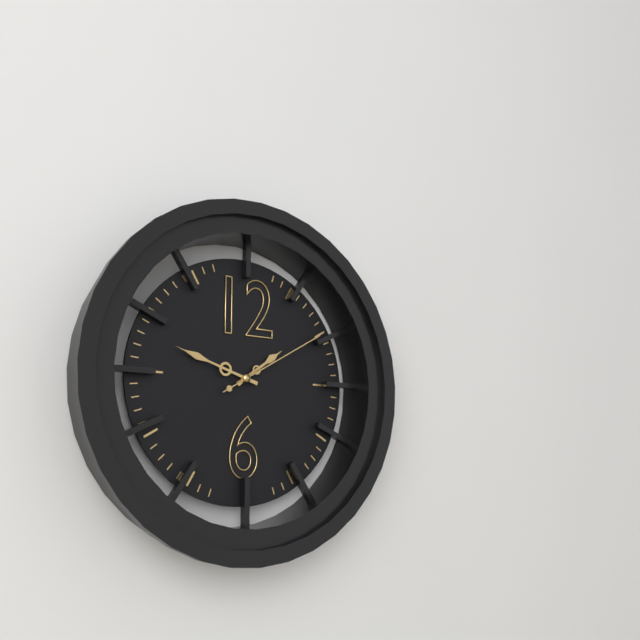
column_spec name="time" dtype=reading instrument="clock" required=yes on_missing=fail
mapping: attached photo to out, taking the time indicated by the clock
1:48:10
